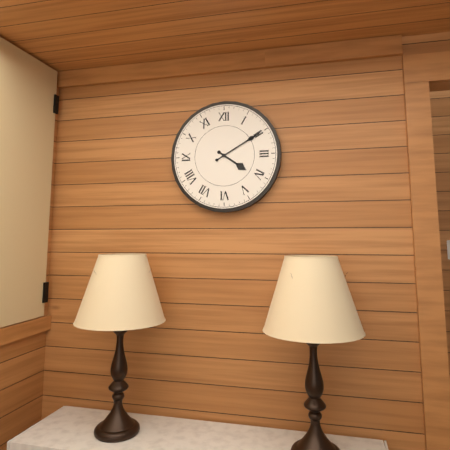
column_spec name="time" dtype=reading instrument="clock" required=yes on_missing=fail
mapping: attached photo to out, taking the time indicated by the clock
4:10
